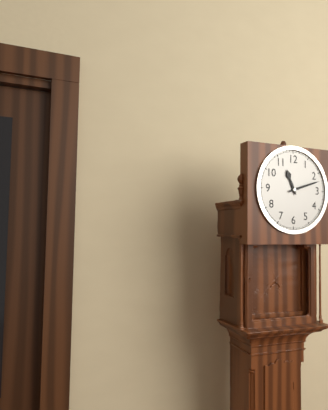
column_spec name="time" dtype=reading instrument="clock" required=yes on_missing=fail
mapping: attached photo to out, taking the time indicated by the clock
11:12
